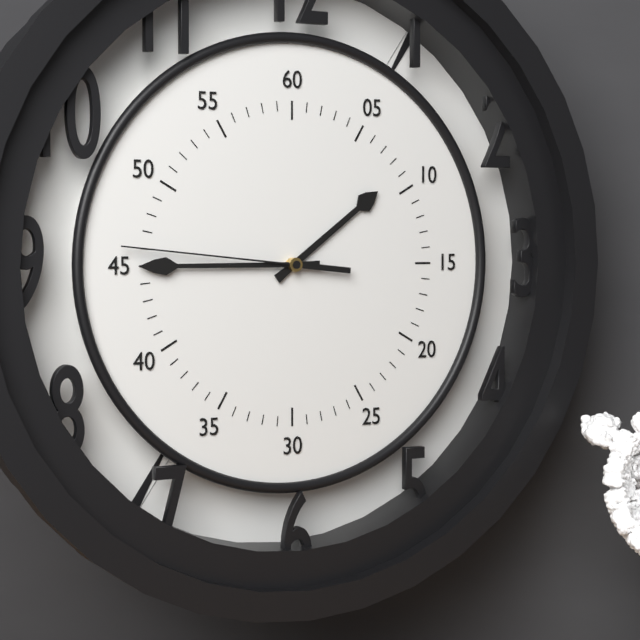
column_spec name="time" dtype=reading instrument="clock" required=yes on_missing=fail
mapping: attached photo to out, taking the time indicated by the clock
1:45:46
